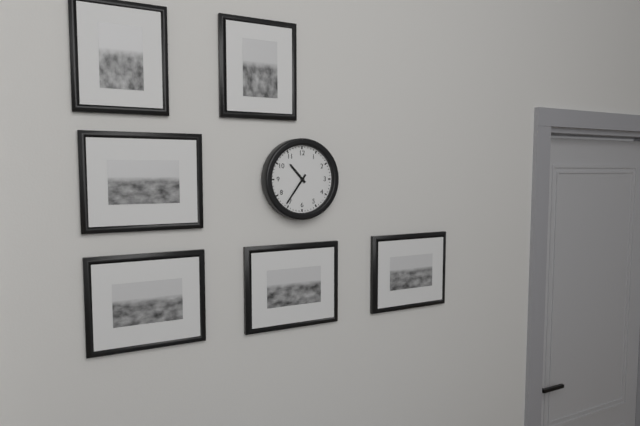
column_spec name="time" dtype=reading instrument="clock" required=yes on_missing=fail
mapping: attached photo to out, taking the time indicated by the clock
10:36
